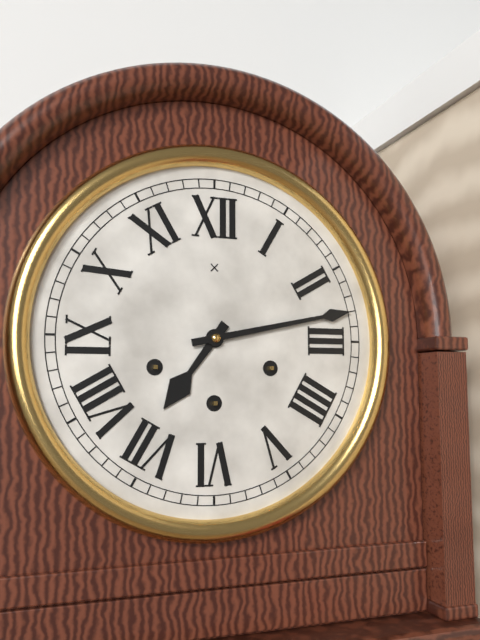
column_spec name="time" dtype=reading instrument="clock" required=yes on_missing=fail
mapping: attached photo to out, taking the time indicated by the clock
7:13
